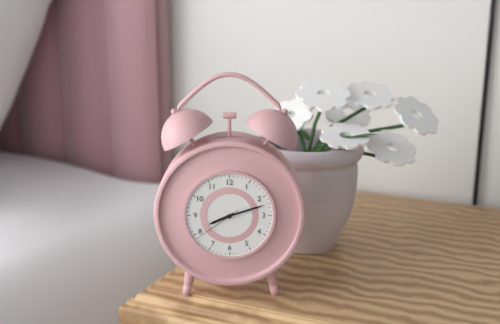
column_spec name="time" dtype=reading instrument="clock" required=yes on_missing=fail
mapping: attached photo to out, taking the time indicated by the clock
8:12
